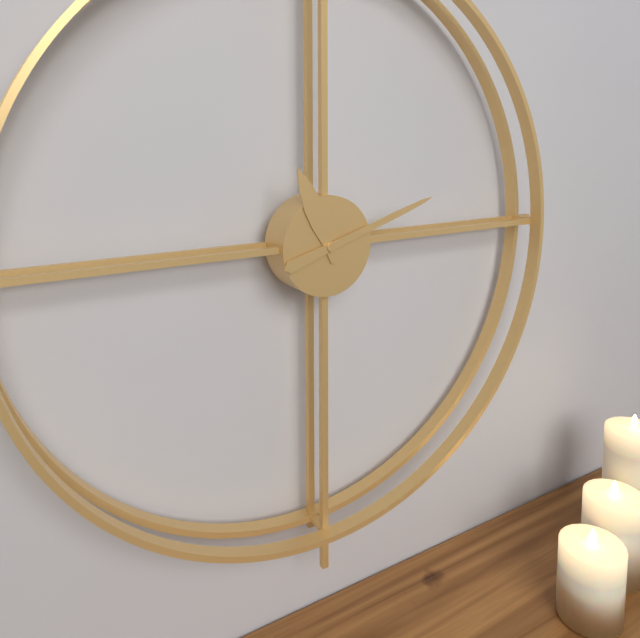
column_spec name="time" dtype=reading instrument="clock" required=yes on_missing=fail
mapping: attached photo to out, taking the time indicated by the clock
11:12
